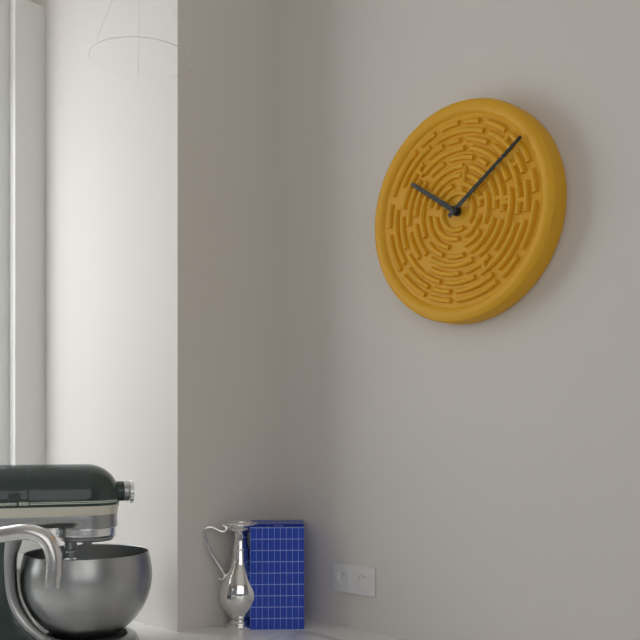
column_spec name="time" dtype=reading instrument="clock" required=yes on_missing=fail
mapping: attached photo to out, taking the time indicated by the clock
10:09
